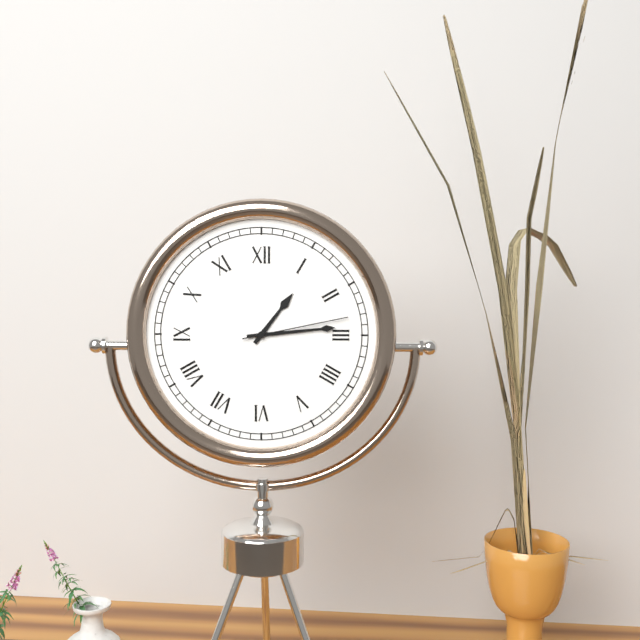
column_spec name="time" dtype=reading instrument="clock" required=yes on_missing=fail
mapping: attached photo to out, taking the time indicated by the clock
1:14:13
